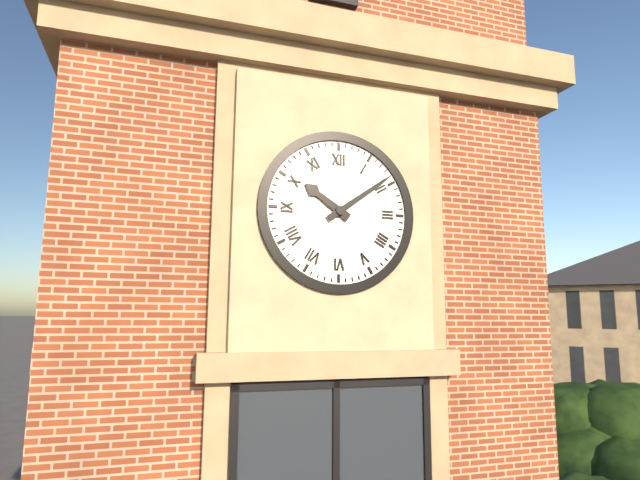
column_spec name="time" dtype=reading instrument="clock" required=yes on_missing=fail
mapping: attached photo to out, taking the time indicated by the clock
10:09
